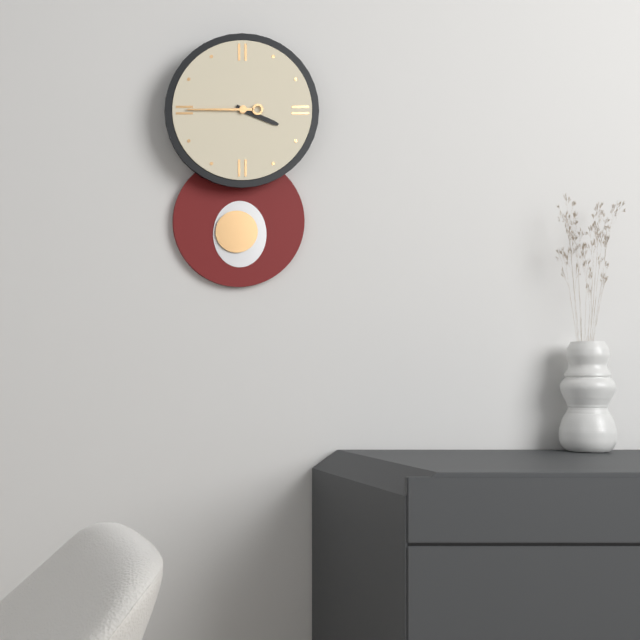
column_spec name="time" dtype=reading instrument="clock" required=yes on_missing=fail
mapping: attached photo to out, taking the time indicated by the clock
3:45
